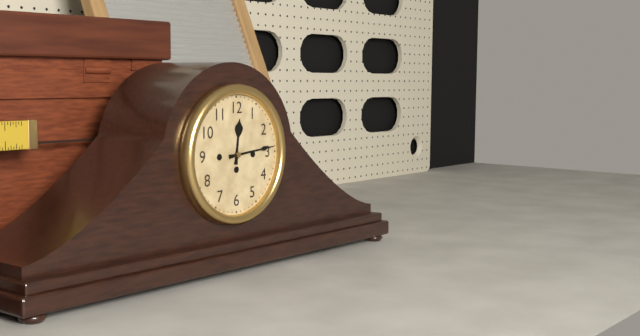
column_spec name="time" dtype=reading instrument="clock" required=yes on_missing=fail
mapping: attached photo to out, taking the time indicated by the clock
12:14
